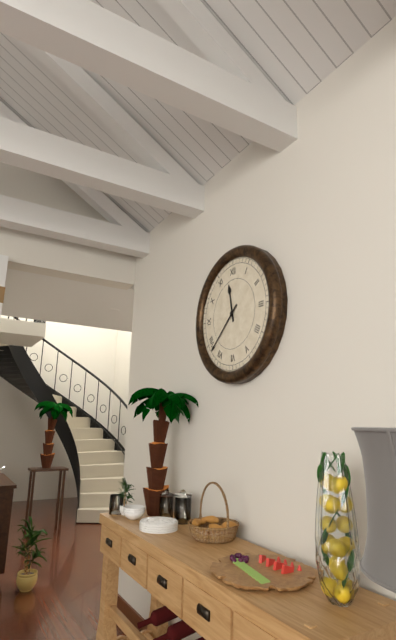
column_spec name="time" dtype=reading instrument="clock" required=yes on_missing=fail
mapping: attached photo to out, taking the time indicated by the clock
11:38
